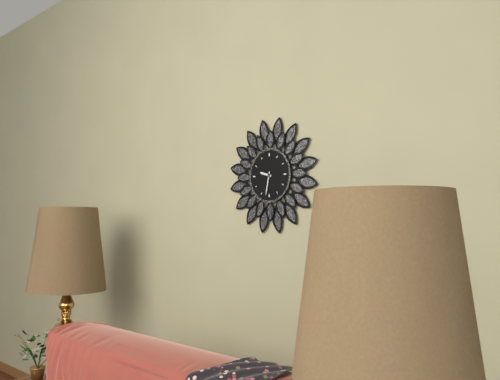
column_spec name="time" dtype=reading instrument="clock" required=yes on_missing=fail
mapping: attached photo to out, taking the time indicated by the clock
9:32
